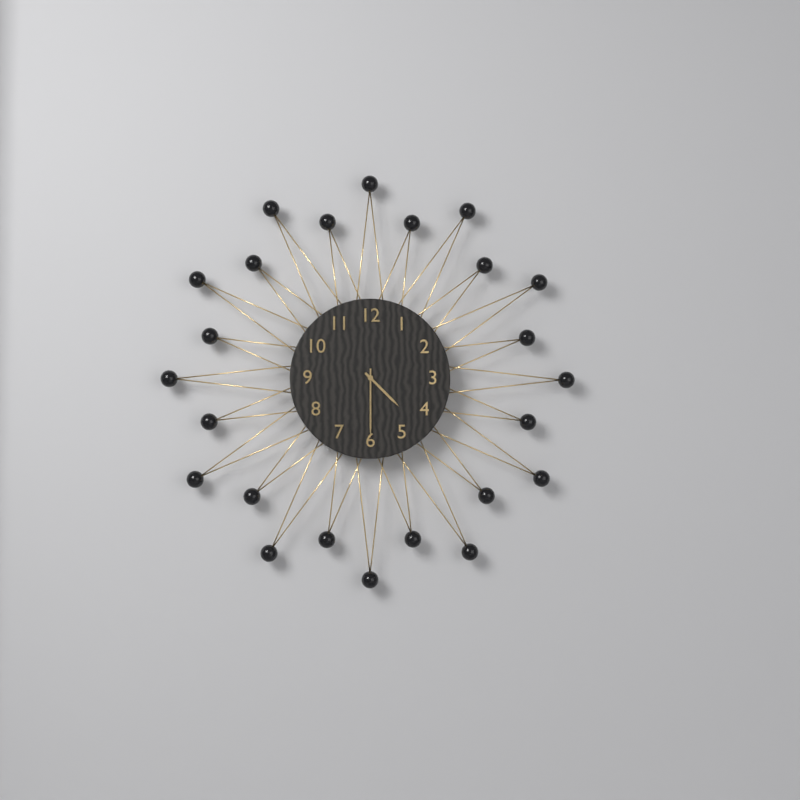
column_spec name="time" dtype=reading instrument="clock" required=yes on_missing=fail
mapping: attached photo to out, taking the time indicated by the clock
4:30
